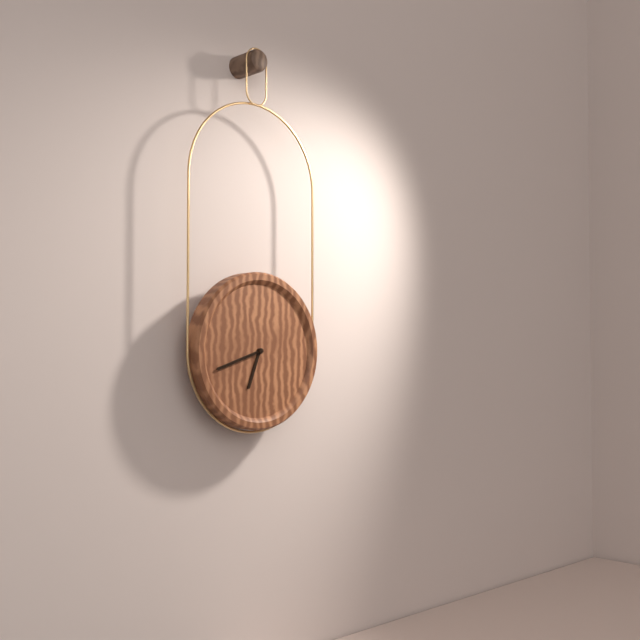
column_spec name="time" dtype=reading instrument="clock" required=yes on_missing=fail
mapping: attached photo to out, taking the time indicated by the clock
6:42
